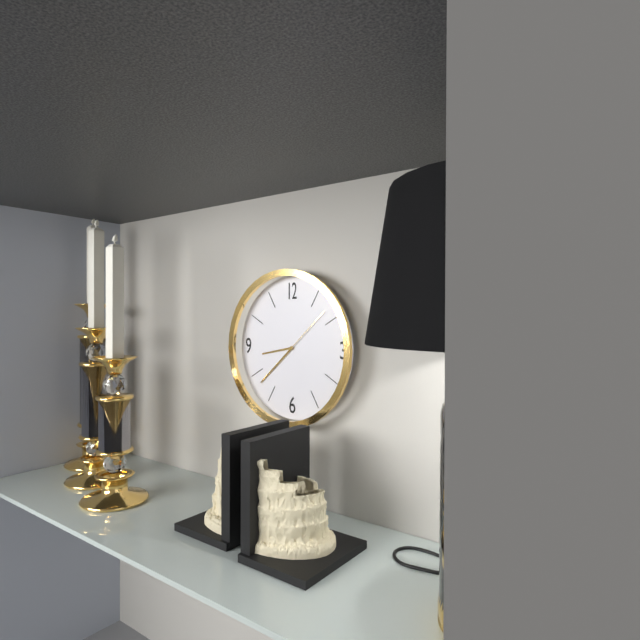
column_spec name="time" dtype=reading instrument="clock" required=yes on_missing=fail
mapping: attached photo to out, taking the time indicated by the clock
8:38:08
